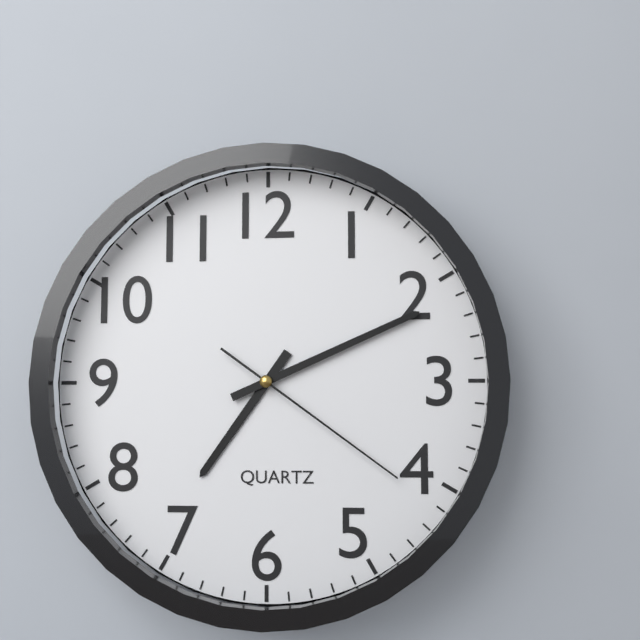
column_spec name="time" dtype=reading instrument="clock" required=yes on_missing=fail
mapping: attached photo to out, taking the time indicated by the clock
7:11:21
